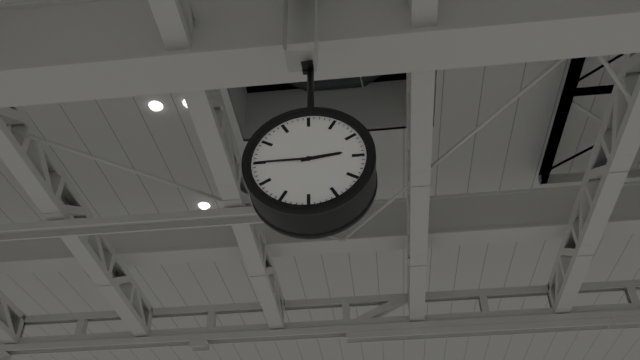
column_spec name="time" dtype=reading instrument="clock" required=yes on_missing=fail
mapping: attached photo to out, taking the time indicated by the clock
2:45
